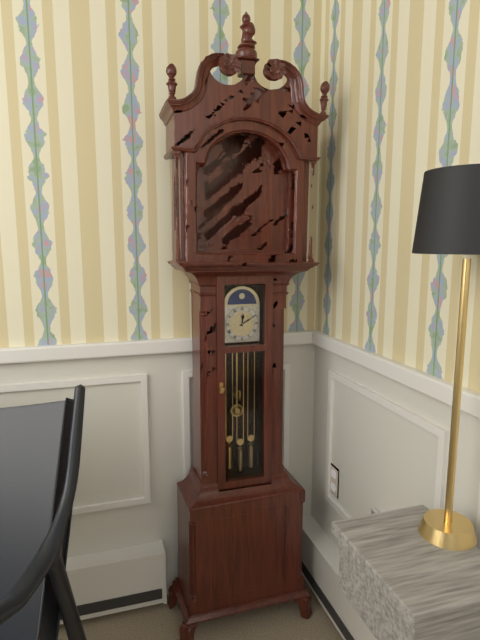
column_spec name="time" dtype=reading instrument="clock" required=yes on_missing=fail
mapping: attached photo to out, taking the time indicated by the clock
12:10
